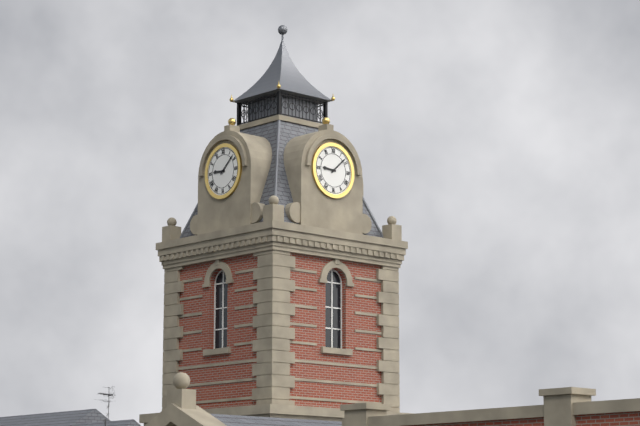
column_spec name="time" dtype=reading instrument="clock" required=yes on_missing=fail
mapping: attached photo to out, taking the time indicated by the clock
9:08
